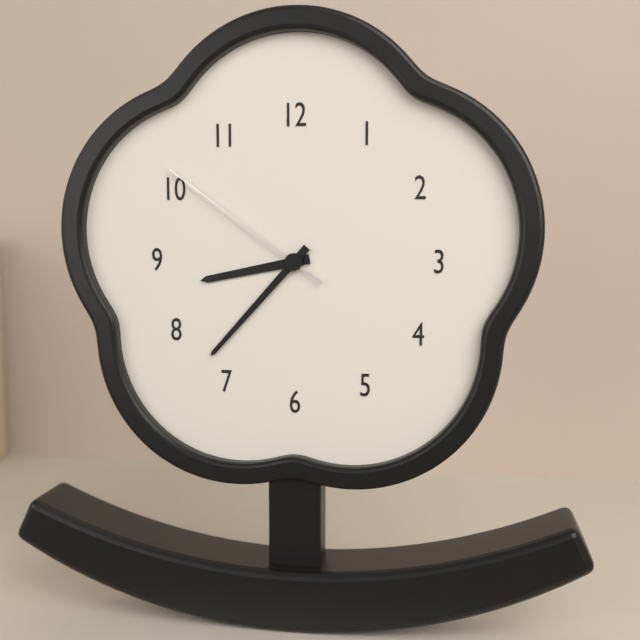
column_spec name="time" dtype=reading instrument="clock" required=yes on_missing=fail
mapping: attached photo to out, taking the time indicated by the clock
8:37:51
